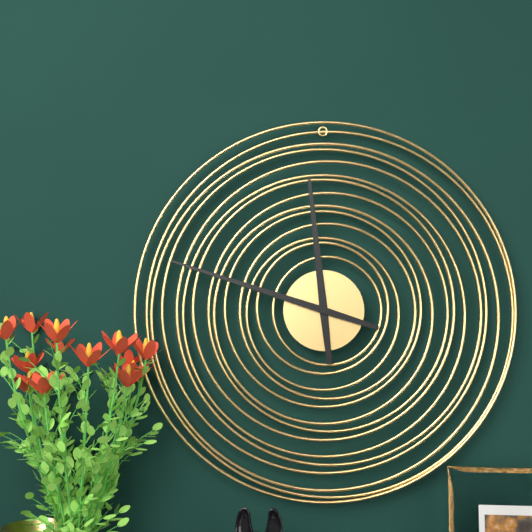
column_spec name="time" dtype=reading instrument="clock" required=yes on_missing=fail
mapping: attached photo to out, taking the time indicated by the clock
11:48
